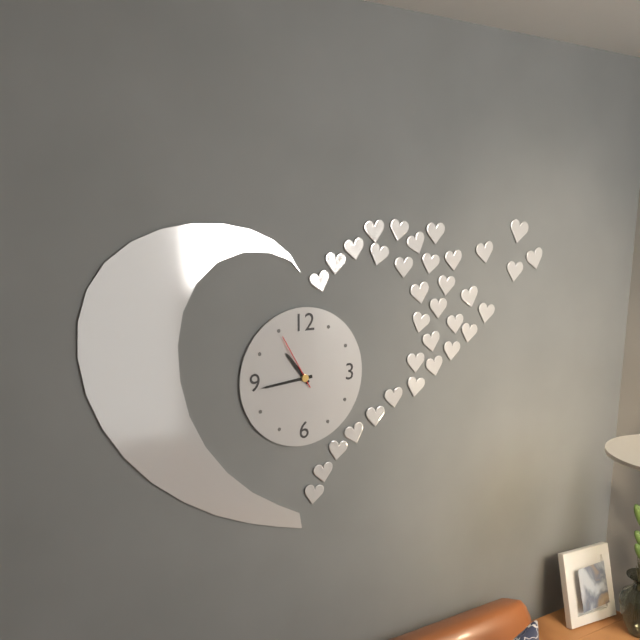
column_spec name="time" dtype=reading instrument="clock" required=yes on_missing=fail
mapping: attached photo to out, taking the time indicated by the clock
10:44:55
